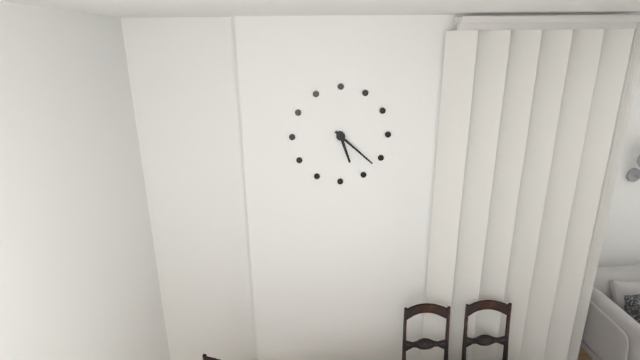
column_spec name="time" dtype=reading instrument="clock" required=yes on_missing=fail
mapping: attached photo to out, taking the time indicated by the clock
5:22
